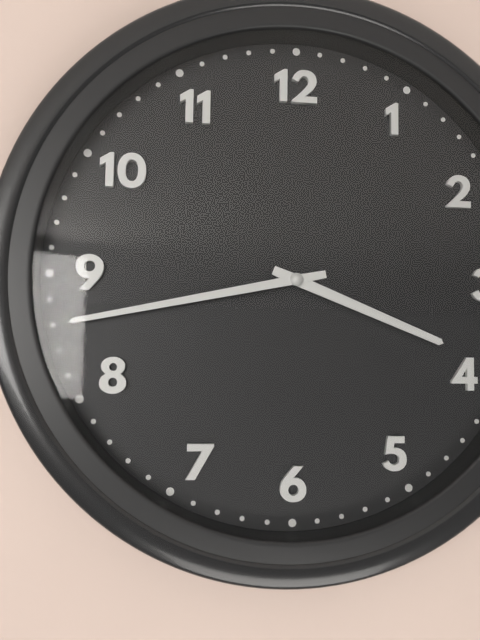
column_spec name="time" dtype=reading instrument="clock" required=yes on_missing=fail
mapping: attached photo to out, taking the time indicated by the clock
3:43
